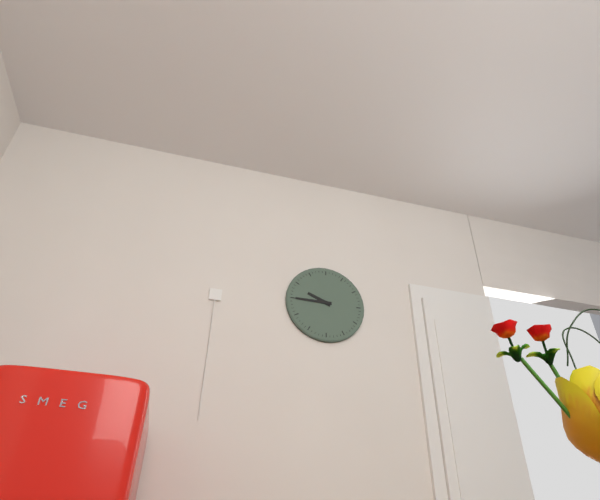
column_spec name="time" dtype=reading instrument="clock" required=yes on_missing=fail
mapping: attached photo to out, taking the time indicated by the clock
9:45
